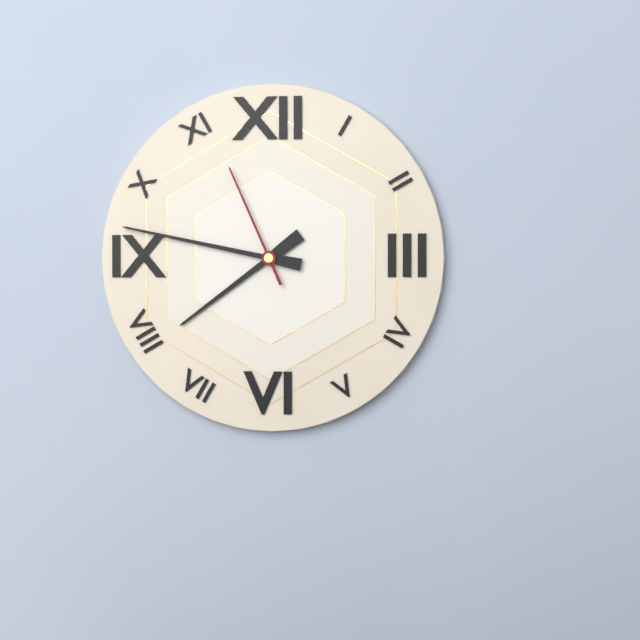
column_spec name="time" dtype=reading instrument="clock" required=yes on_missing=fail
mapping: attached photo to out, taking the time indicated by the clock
7:47:56
